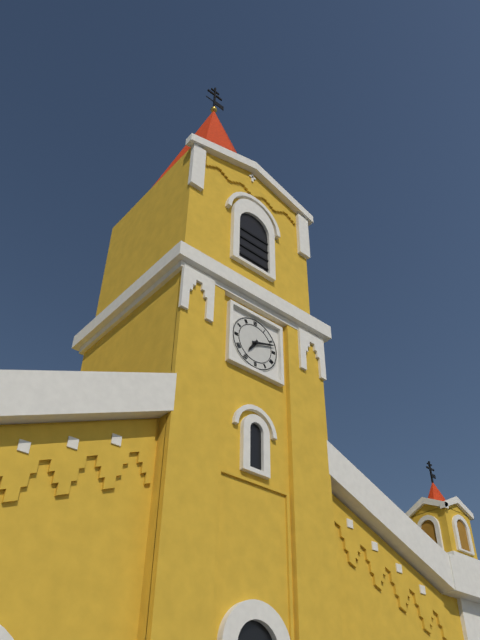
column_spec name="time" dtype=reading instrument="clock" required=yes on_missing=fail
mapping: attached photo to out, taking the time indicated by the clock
7:12
